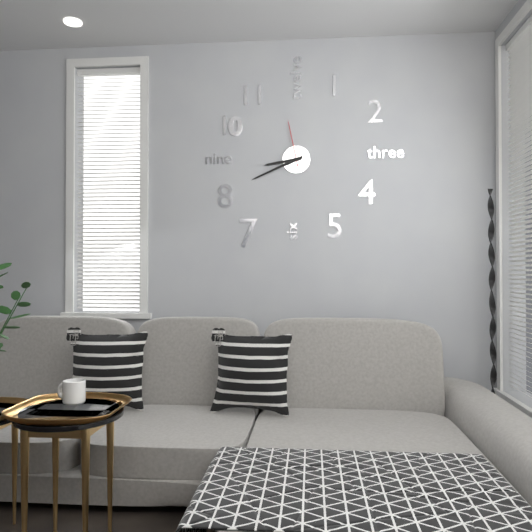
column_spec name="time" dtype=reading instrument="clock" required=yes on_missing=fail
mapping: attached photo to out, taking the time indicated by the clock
8:41:58
